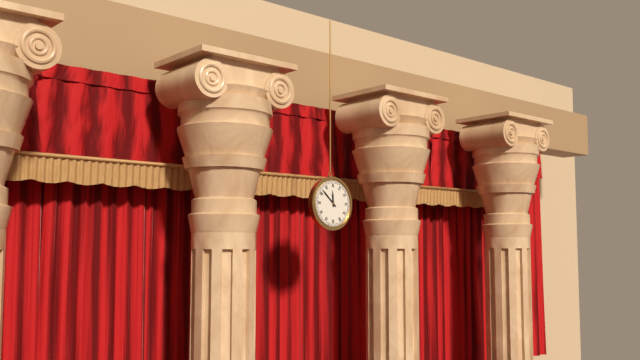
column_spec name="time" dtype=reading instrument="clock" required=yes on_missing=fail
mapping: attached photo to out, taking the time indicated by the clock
11:52
